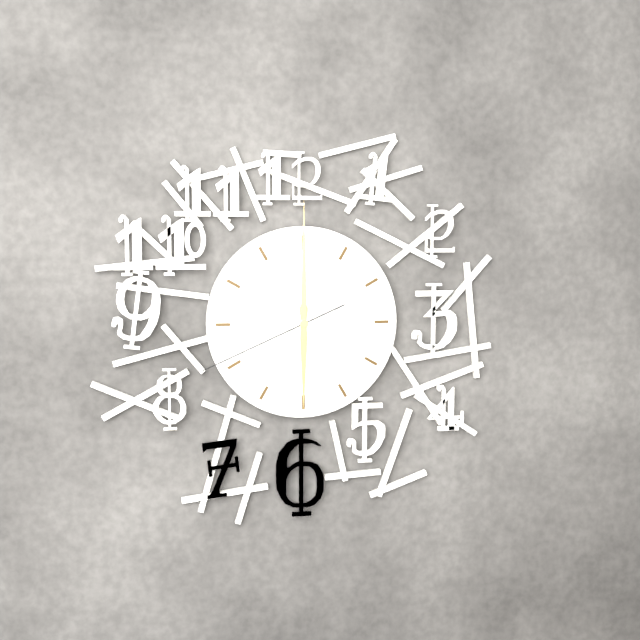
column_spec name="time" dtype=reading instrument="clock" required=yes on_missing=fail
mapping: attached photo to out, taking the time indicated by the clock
6:00:41
